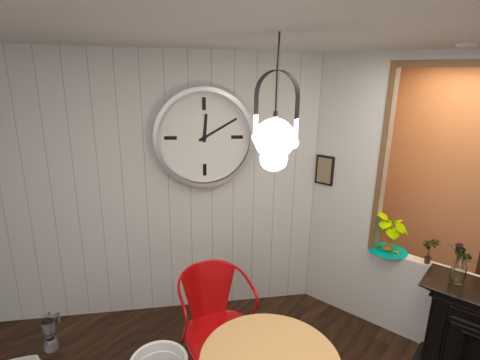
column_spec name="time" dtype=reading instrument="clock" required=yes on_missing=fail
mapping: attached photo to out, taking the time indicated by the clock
12:10
